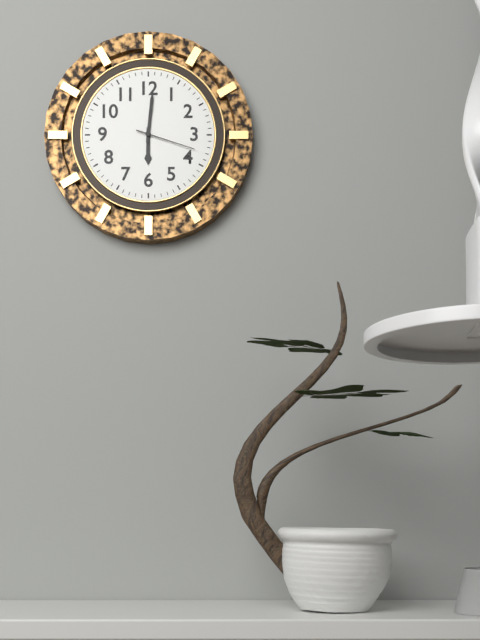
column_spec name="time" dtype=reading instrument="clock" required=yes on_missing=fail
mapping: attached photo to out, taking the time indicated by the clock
6:01:18
